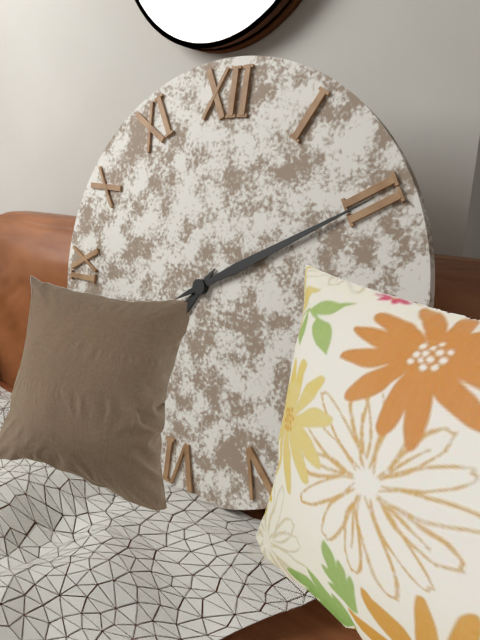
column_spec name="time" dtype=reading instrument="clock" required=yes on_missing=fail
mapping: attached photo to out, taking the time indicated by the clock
7:10
